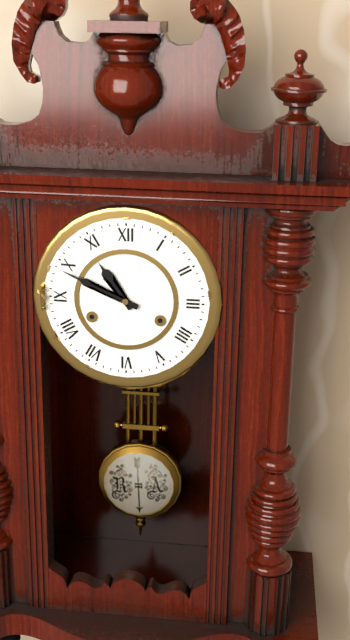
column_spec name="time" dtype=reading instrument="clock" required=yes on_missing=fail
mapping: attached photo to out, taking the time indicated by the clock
10:49
